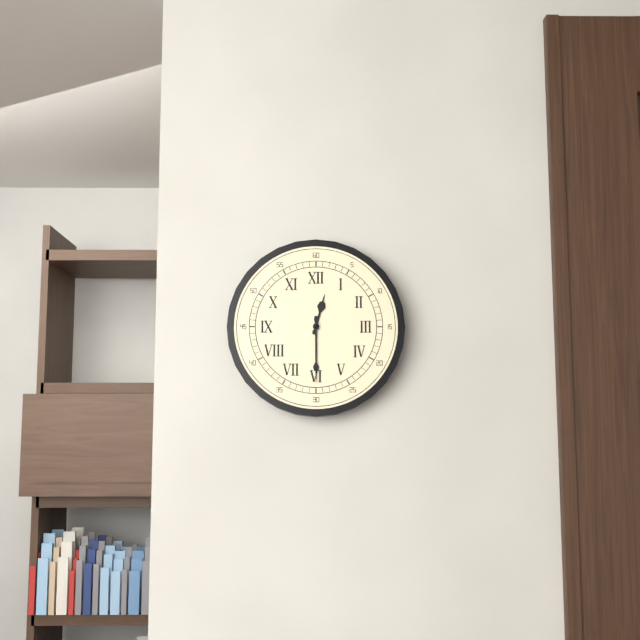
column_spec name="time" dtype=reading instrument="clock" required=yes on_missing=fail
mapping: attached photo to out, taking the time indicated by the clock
12:30
